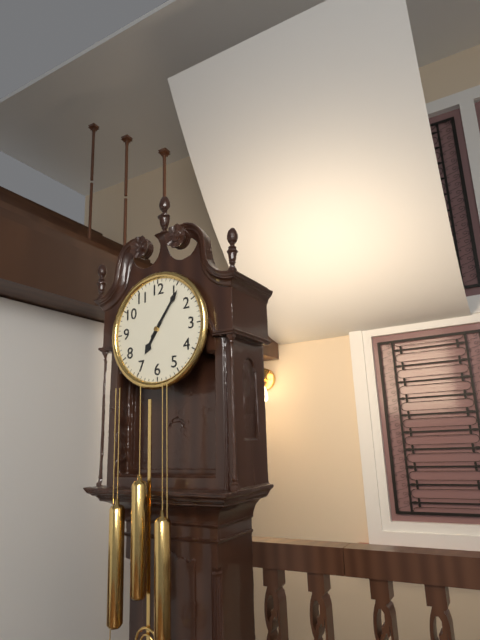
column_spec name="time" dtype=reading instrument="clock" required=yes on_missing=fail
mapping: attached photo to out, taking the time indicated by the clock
7:06
